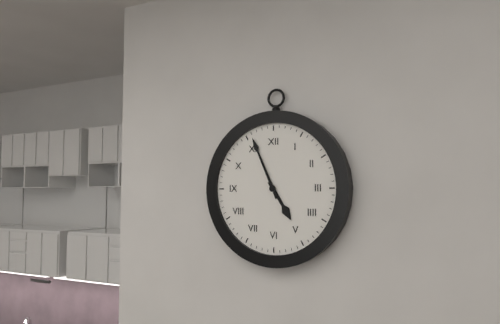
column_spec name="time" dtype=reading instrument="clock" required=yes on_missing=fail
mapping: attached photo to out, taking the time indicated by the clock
4:56
